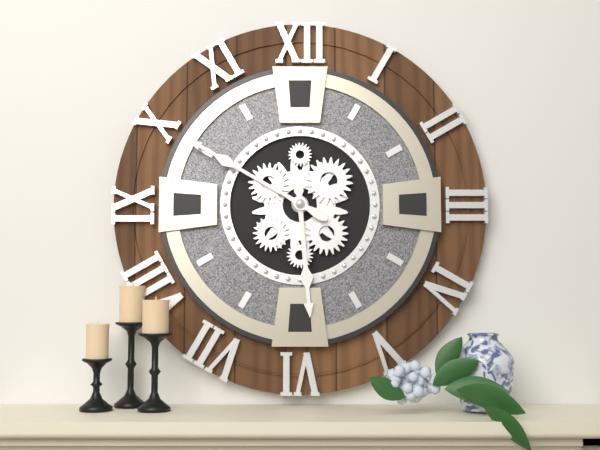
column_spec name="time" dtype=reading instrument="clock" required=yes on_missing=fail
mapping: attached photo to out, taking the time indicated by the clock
5:50
